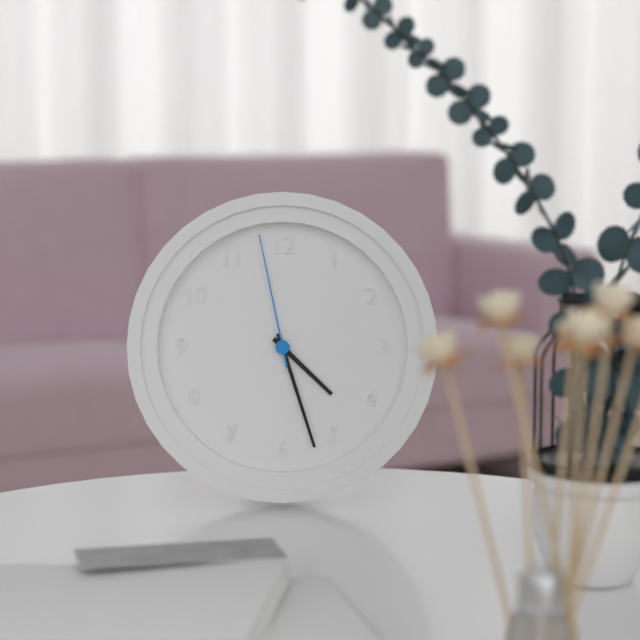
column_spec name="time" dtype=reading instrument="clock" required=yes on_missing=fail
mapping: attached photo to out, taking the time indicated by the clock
4:27:58
